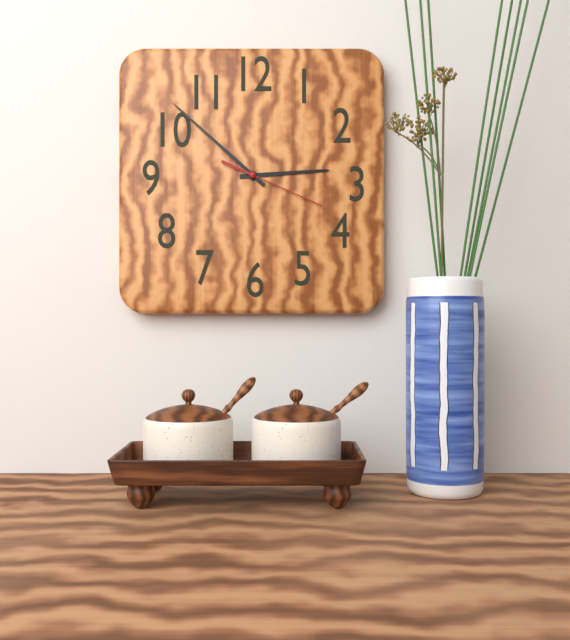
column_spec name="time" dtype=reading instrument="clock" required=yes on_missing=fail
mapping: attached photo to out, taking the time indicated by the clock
2:52:19
